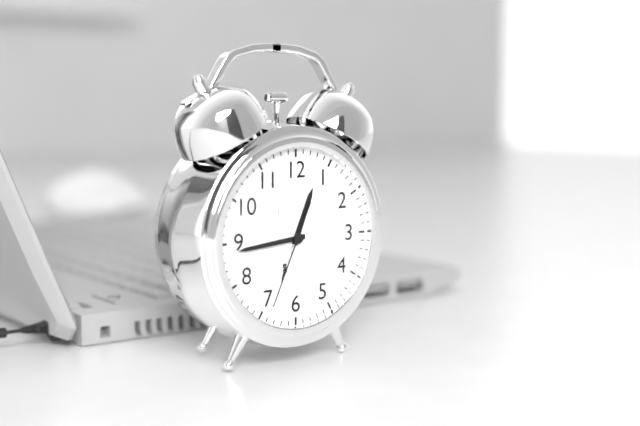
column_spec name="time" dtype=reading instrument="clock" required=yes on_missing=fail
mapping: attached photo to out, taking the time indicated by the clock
12:44:34
